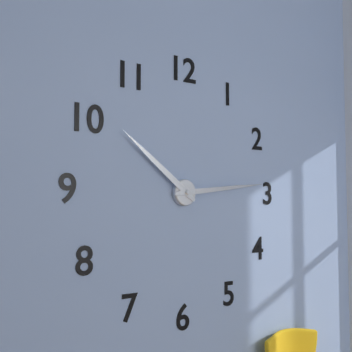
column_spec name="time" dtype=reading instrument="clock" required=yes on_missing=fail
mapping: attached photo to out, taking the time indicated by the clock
10:14
